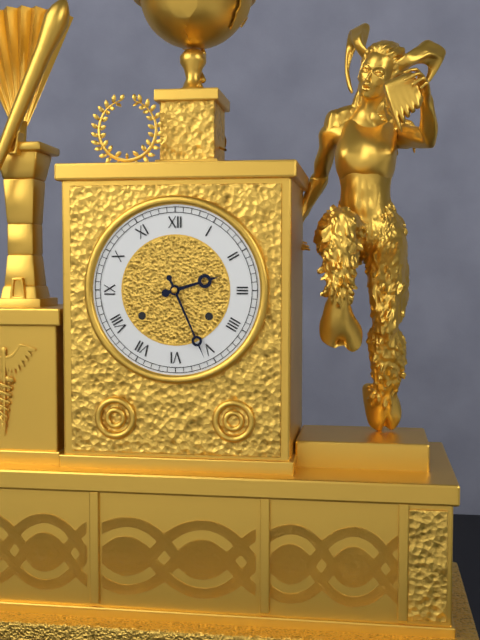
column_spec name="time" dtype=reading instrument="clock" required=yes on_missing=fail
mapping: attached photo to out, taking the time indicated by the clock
2:26
